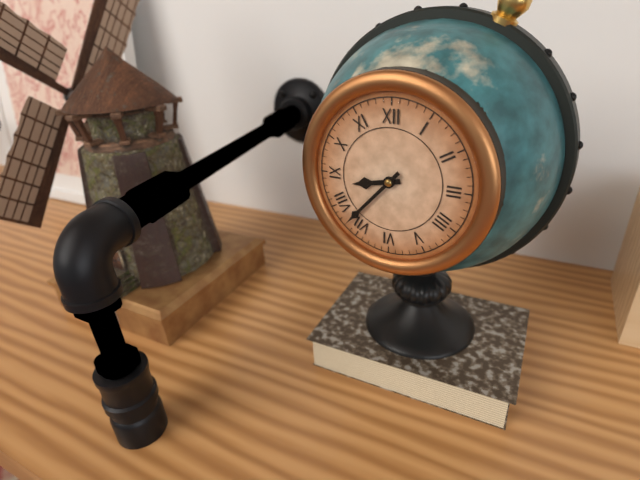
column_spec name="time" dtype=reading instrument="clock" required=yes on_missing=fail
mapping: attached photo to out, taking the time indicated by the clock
8:37
